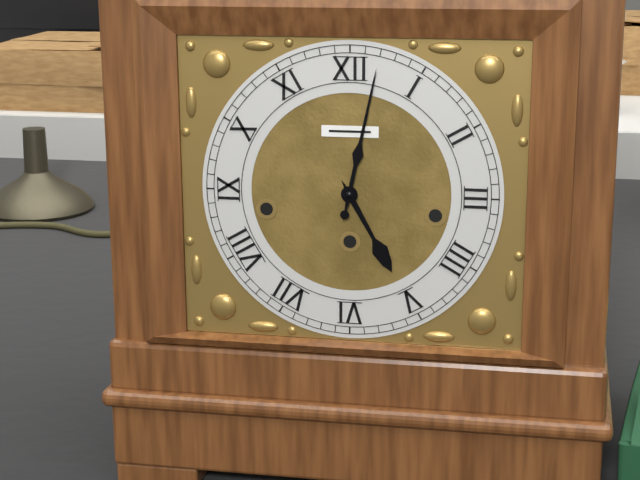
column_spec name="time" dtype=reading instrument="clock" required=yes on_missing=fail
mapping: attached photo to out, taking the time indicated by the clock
5:02
